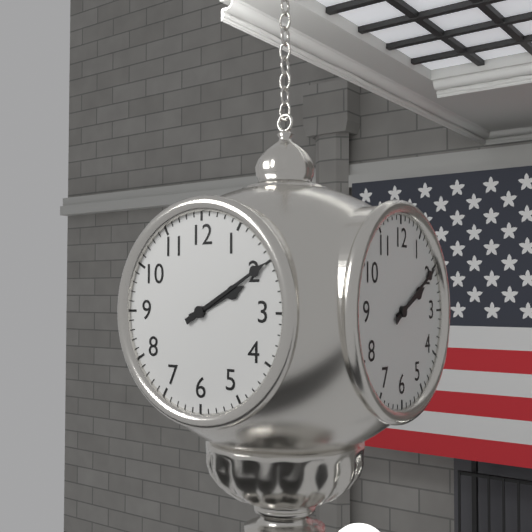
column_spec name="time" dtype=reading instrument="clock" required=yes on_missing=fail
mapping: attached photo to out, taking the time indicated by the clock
2:10
